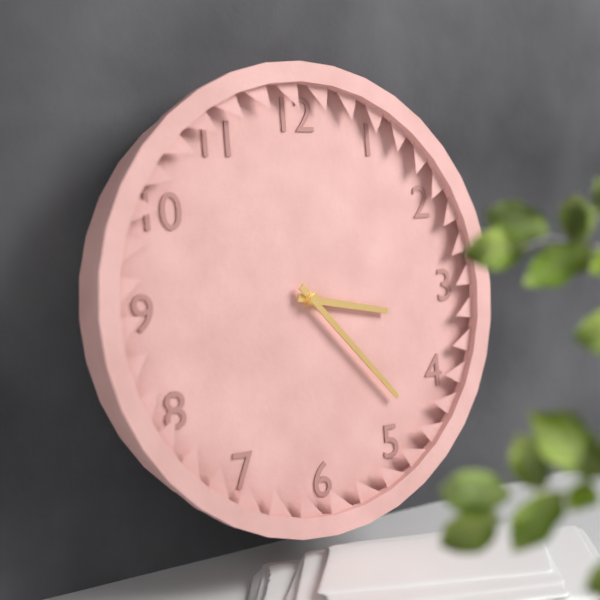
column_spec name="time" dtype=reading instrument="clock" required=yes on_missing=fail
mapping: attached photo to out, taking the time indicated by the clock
3:23
